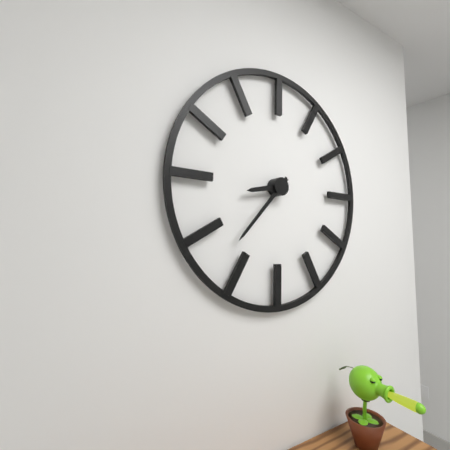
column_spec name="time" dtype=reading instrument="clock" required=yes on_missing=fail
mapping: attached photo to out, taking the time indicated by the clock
8:37
